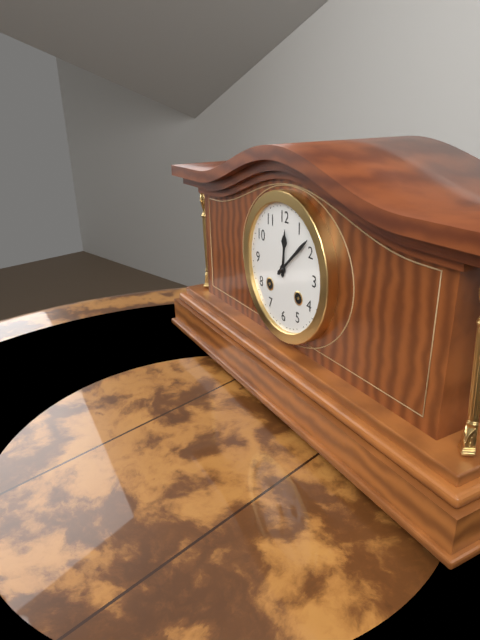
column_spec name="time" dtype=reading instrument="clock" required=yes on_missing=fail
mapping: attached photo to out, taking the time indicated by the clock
12:08
